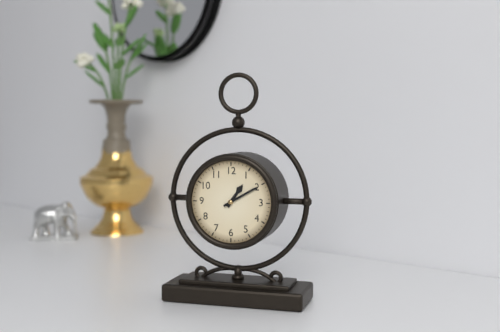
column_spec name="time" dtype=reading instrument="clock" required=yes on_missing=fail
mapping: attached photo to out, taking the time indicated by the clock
1:10
